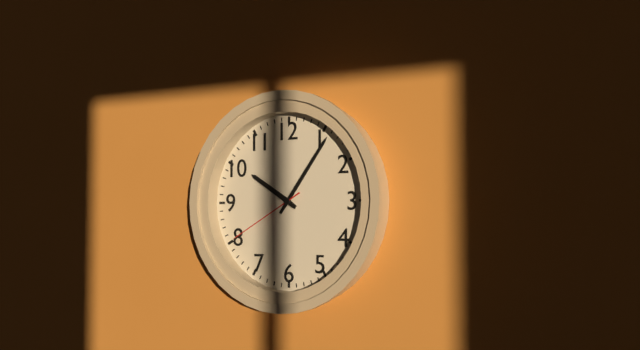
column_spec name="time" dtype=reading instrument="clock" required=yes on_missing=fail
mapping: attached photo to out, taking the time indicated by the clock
10:06:40
